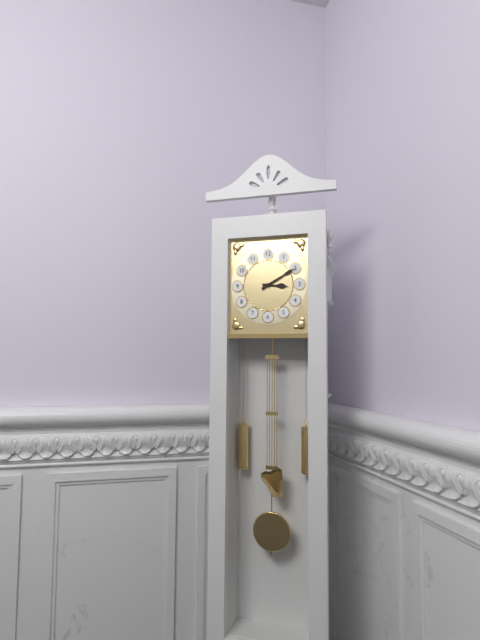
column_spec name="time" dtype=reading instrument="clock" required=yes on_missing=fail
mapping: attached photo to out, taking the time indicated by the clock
3:10
